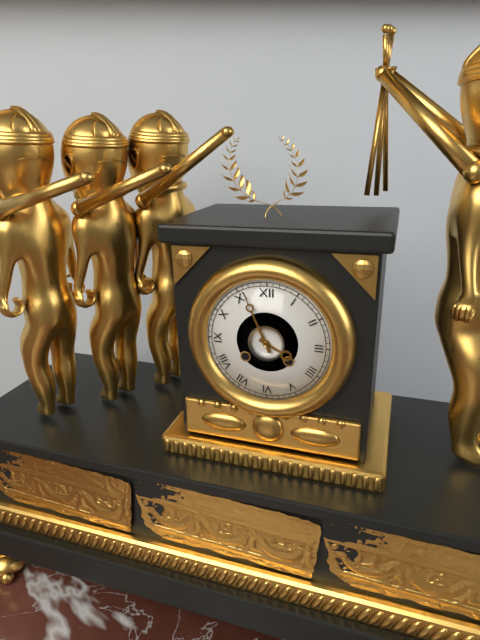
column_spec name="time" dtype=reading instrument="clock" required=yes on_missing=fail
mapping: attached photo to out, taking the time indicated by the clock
3:56
